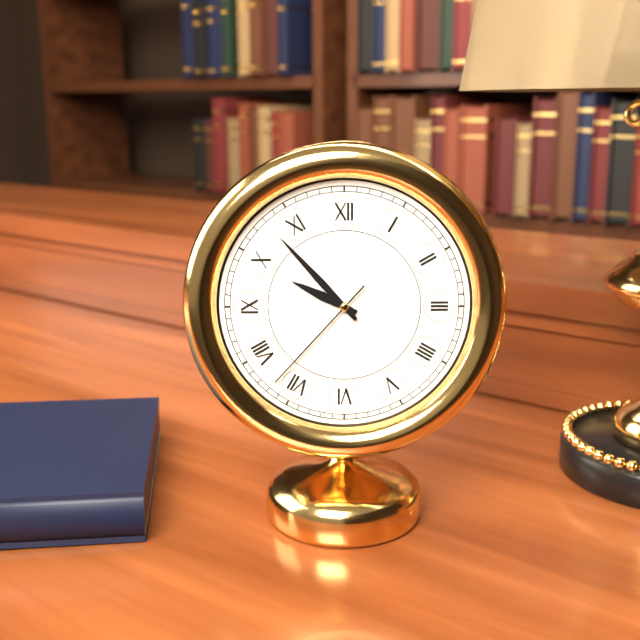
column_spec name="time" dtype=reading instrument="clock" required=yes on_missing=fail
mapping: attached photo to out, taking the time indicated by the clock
9:53:37
